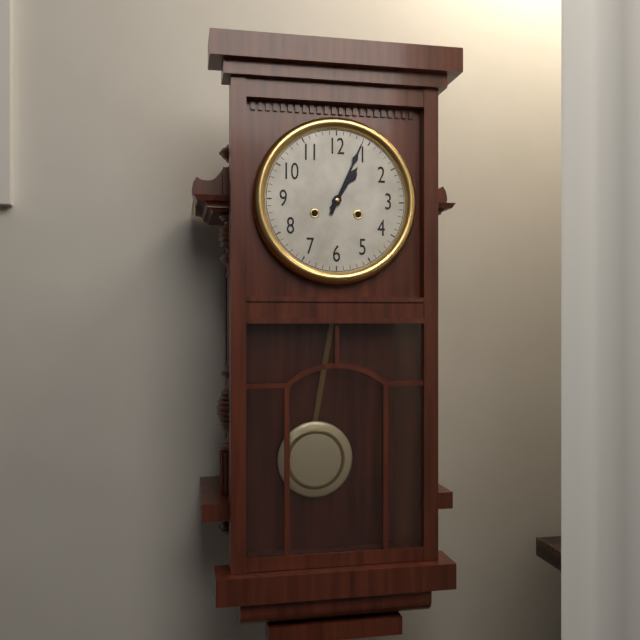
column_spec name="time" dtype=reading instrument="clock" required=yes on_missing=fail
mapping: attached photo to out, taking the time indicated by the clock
1:04
